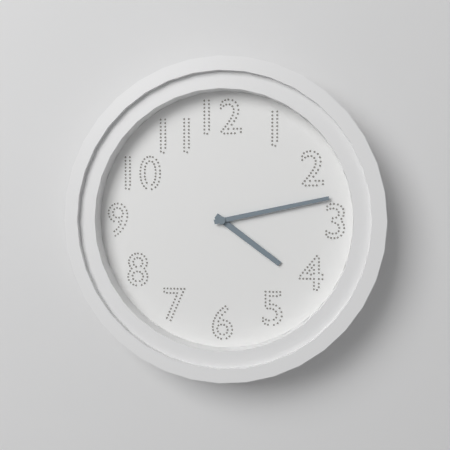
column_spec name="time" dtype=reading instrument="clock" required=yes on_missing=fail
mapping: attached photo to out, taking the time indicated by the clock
4:13
